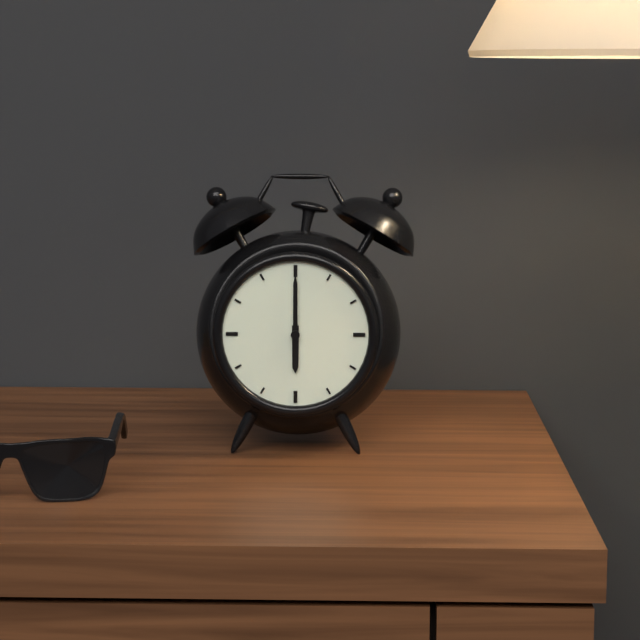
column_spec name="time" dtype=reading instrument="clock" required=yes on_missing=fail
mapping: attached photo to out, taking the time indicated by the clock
6:00
